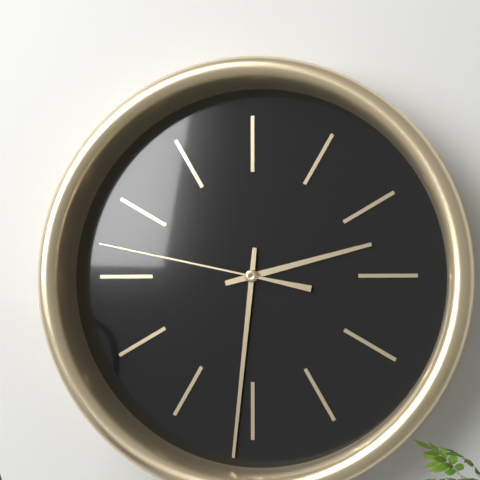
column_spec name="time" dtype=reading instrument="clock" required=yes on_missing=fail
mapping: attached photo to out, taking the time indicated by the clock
2:31:47
